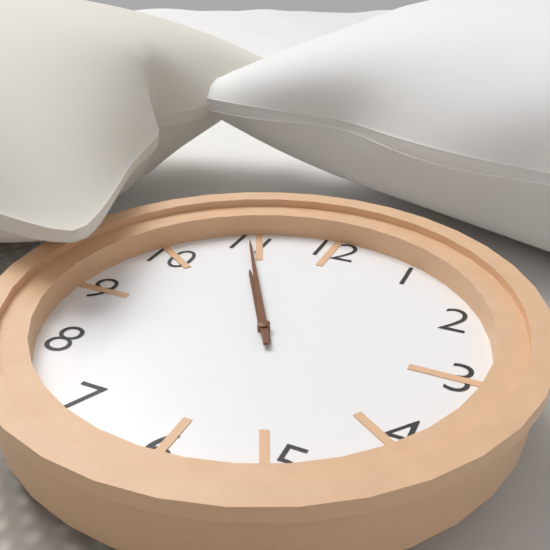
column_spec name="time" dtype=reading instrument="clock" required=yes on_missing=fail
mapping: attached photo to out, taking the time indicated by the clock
10:55
